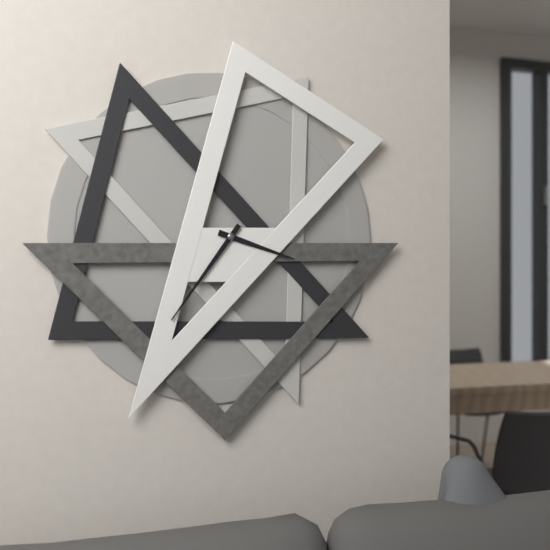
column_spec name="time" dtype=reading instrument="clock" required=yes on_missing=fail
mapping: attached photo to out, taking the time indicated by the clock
3:36
